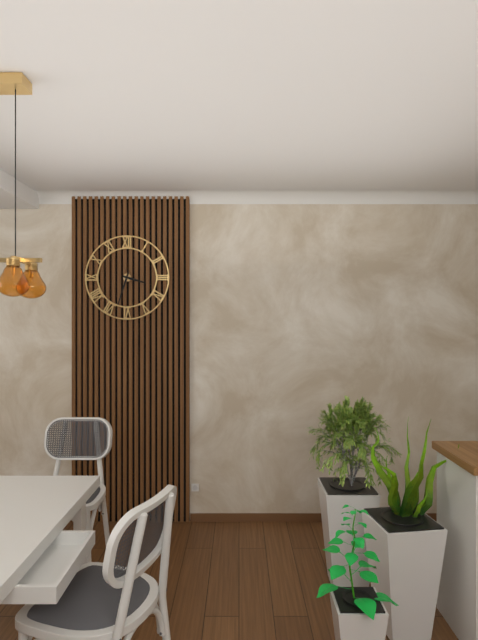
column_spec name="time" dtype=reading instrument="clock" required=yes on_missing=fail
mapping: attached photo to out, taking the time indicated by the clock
3:33
